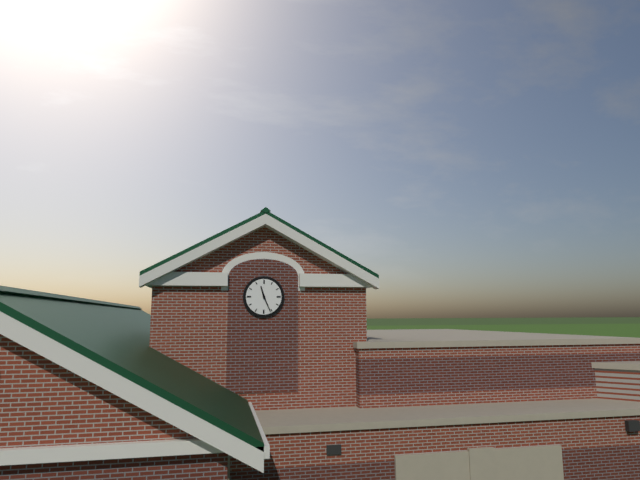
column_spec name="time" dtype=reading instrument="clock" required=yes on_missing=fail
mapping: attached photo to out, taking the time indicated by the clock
11:26
